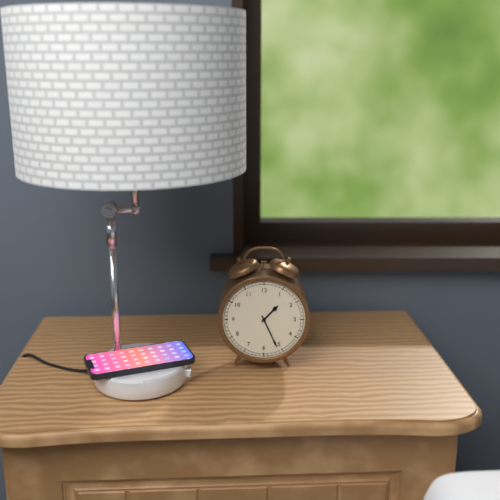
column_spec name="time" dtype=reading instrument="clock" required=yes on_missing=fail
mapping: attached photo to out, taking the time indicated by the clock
1:26
